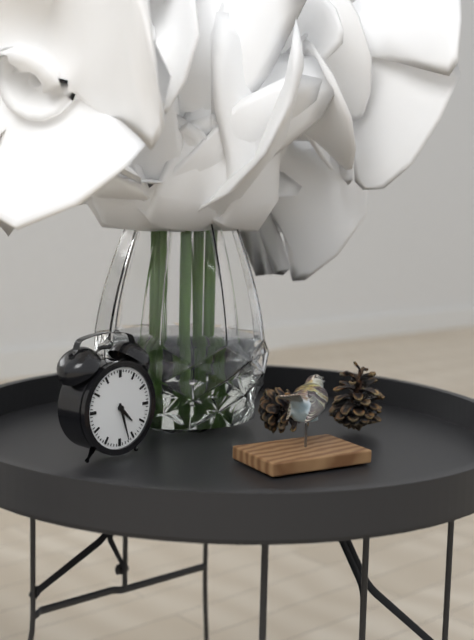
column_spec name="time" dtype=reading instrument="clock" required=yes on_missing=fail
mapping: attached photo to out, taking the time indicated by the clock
4:27
